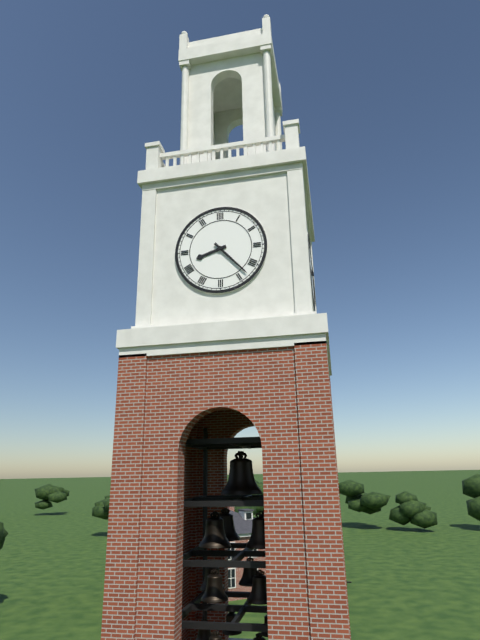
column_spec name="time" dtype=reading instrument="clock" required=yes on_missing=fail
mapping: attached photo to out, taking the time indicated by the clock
8:23
